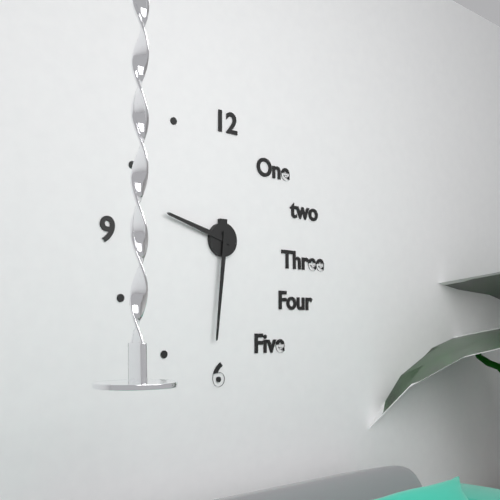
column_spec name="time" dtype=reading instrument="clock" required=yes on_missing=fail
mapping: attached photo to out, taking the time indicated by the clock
9:31
